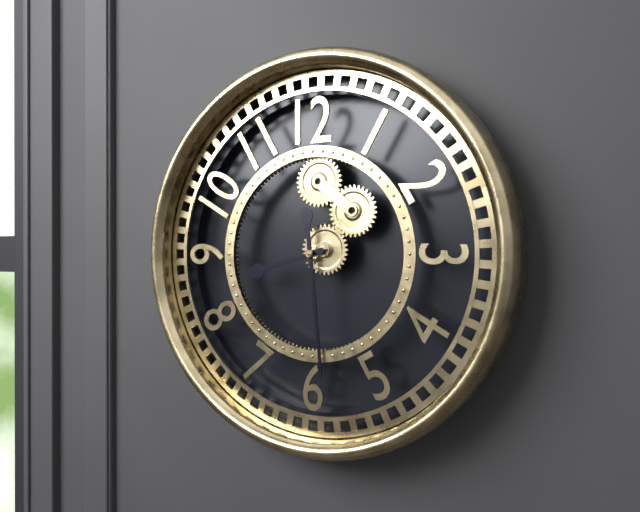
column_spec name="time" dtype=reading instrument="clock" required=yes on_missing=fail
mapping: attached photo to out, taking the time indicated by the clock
8:29
